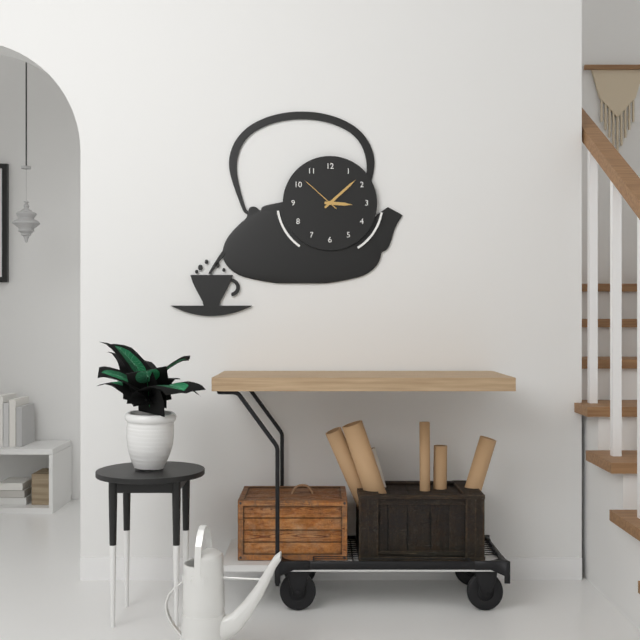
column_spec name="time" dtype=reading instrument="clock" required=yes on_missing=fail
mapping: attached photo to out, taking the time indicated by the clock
3:08
